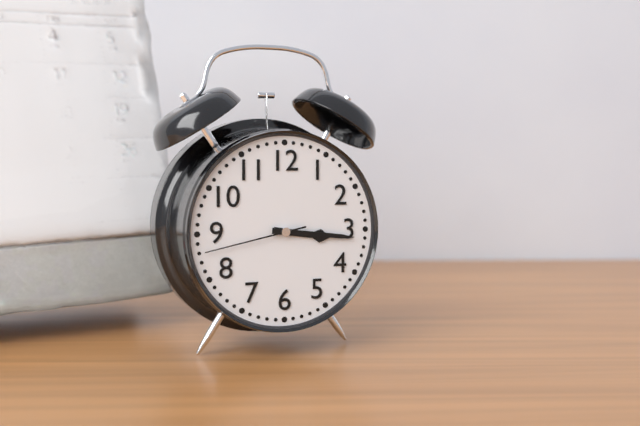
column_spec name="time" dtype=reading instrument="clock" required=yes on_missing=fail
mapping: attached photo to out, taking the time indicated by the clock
3:16:43
